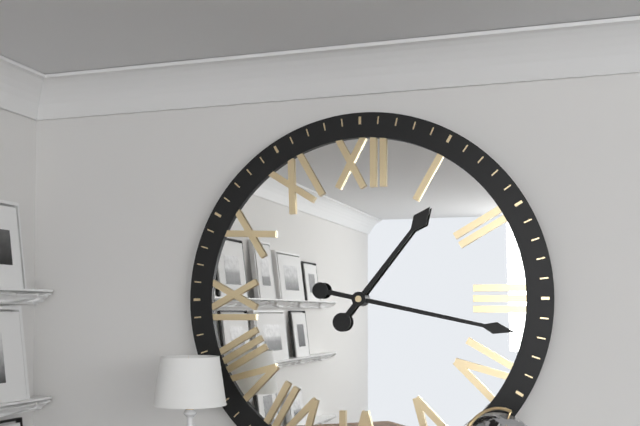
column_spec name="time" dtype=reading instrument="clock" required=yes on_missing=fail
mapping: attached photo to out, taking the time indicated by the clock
1:17
